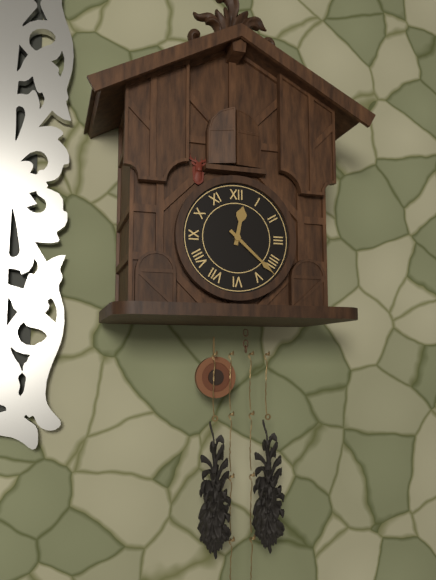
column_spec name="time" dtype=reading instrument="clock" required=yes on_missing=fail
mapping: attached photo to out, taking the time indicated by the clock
12:22
